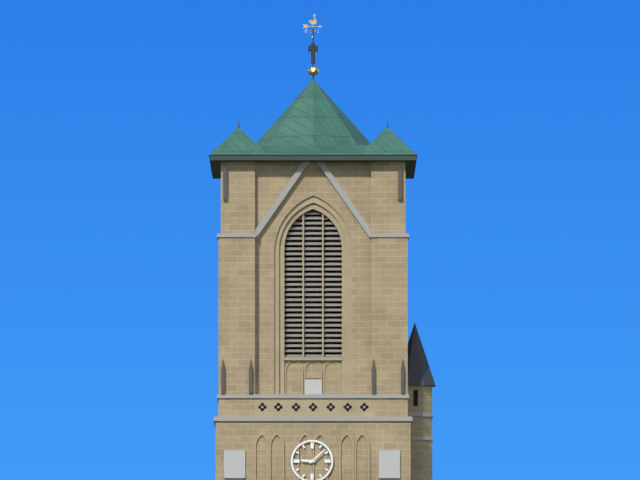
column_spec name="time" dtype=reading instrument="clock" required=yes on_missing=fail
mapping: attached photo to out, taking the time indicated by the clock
9:08
